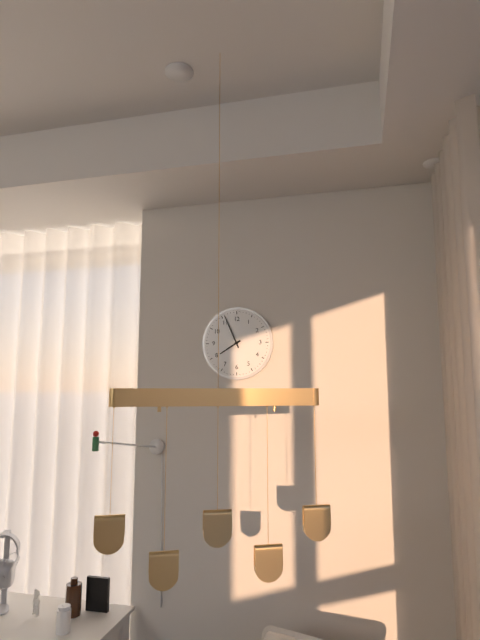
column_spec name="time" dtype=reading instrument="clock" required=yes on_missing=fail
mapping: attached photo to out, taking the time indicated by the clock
7:56
